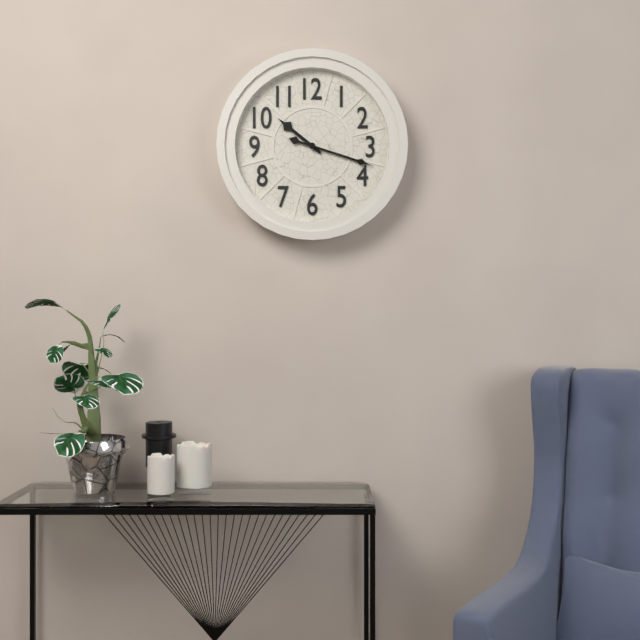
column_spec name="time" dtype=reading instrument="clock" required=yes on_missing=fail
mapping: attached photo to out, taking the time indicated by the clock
10:18
